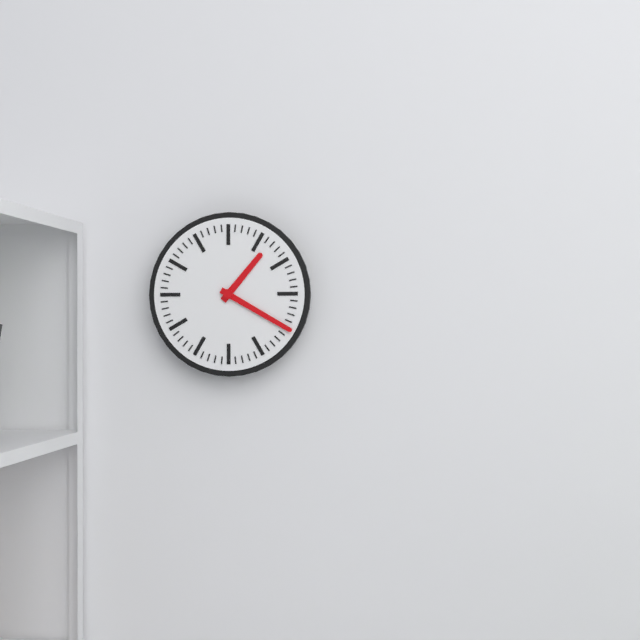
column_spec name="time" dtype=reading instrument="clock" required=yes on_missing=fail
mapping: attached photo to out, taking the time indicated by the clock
1:20
